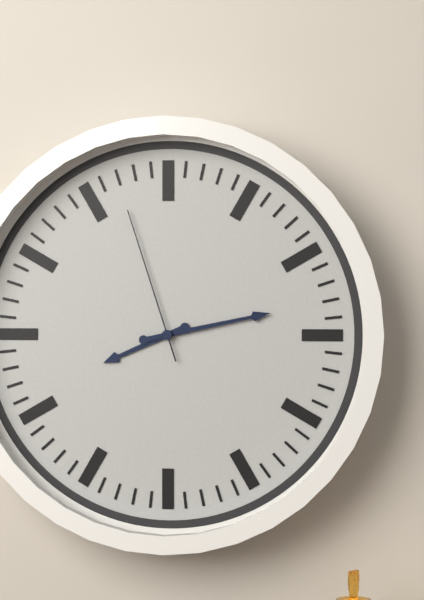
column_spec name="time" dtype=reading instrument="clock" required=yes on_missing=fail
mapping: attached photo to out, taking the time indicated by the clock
8:13:57
